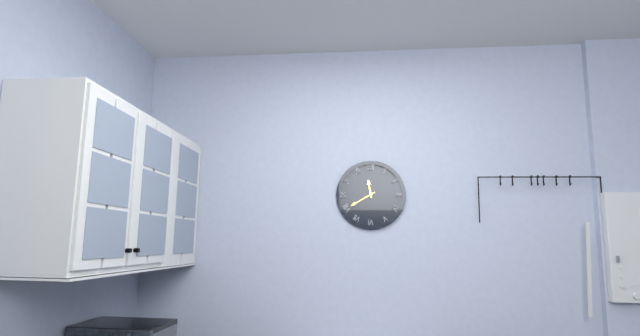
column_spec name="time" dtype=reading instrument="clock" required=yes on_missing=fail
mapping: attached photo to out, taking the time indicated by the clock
11:40
